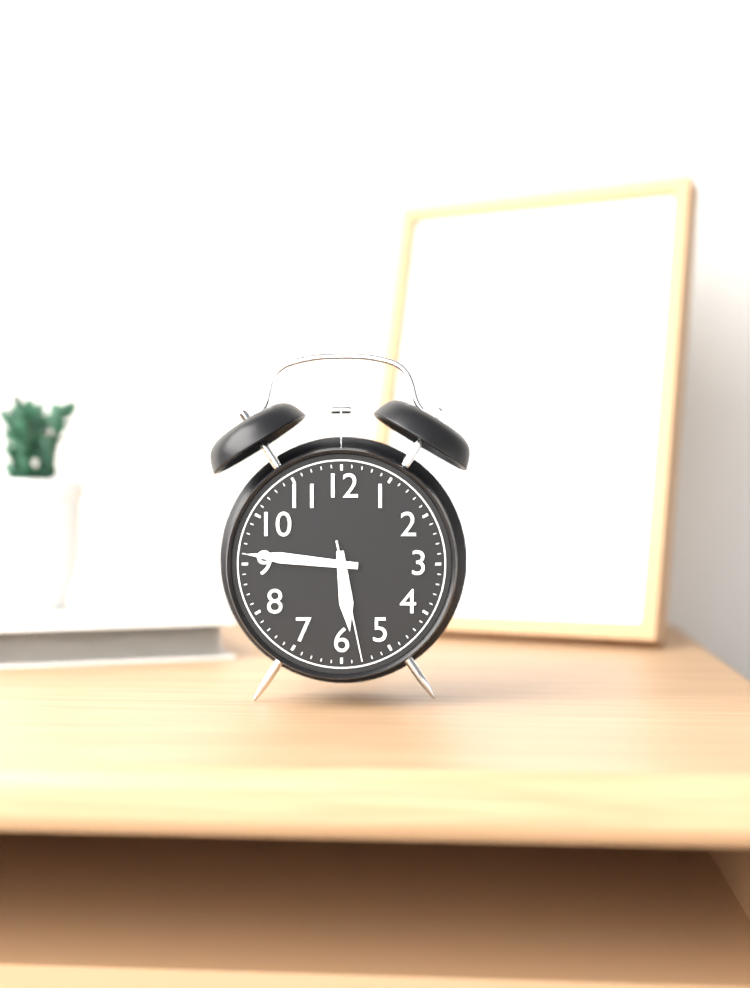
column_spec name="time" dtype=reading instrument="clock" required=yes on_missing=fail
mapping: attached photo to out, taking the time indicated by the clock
5:46:28
